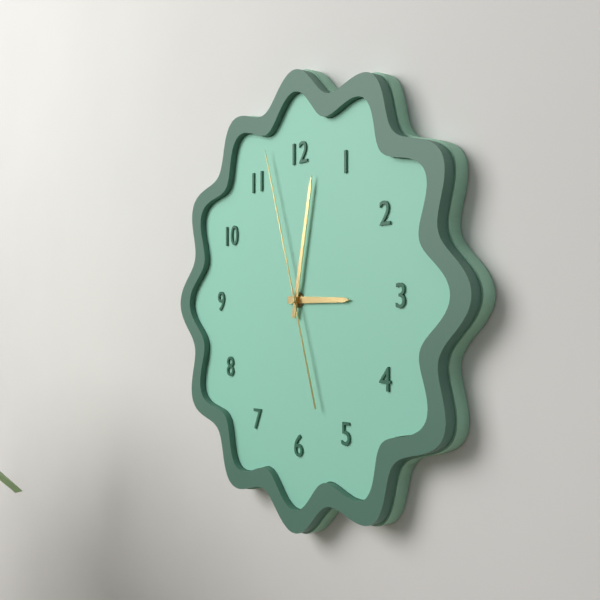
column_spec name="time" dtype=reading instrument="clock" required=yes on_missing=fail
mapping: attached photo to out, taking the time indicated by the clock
3:02:57
